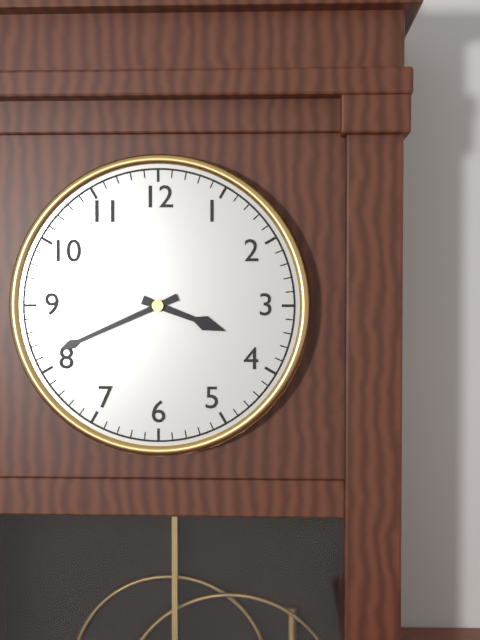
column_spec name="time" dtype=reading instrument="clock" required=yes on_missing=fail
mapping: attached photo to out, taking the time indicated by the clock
3:41
